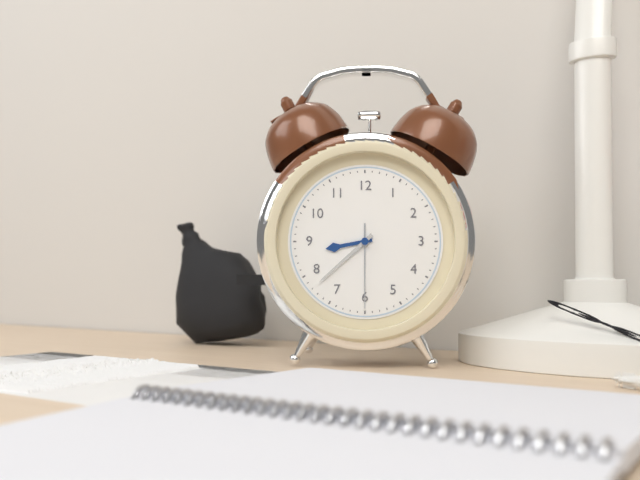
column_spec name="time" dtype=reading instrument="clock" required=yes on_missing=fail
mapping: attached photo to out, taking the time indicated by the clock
8:38:30
